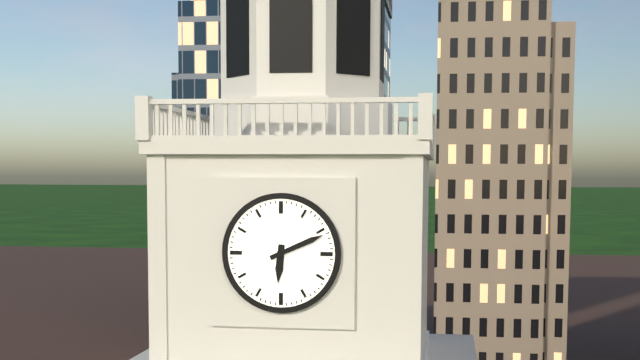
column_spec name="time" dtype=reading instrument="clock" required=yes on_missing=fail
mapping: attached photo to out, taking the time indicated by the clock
6:11
